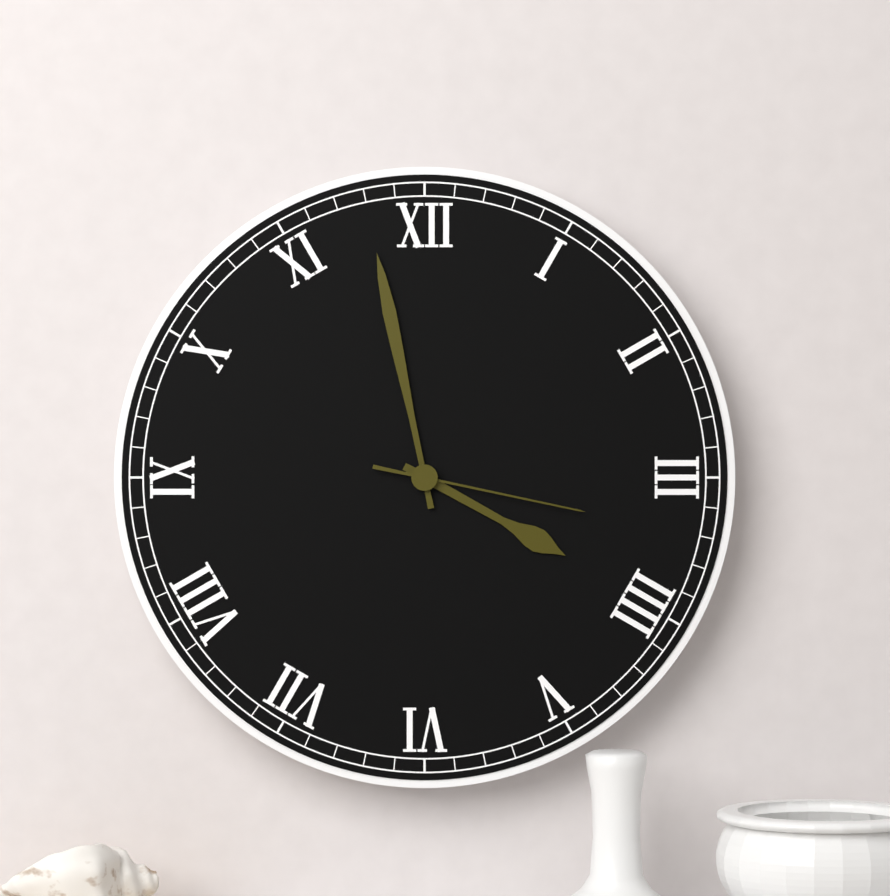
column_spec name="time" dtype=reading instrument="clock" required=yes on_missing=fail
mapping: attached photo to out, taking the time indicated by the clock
3:58:17
